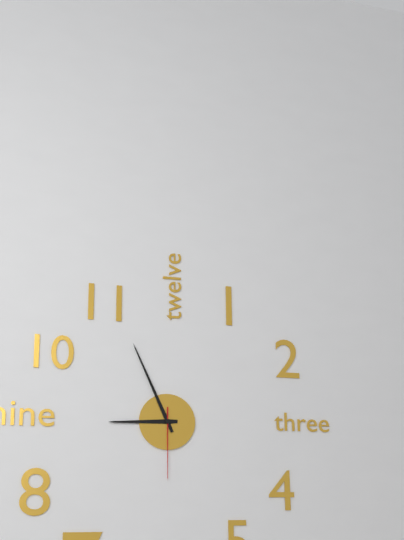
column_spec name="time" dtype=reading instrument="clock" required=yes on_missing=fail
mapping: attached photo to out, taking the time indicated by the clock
8:56:30
